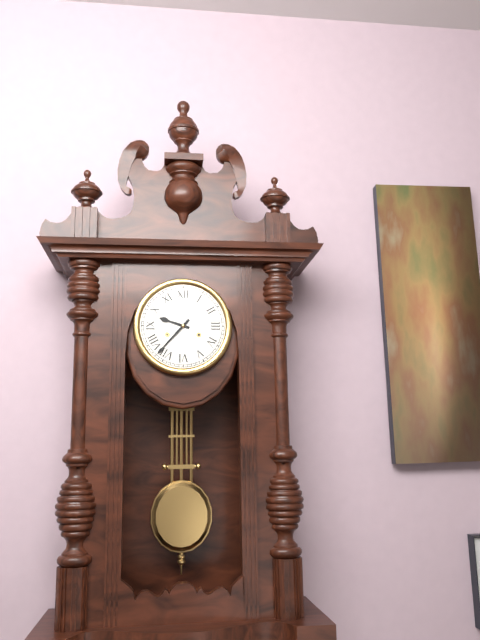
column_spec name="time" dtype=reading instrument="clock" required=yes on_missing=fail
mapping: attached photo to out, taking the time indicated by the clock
9:37
